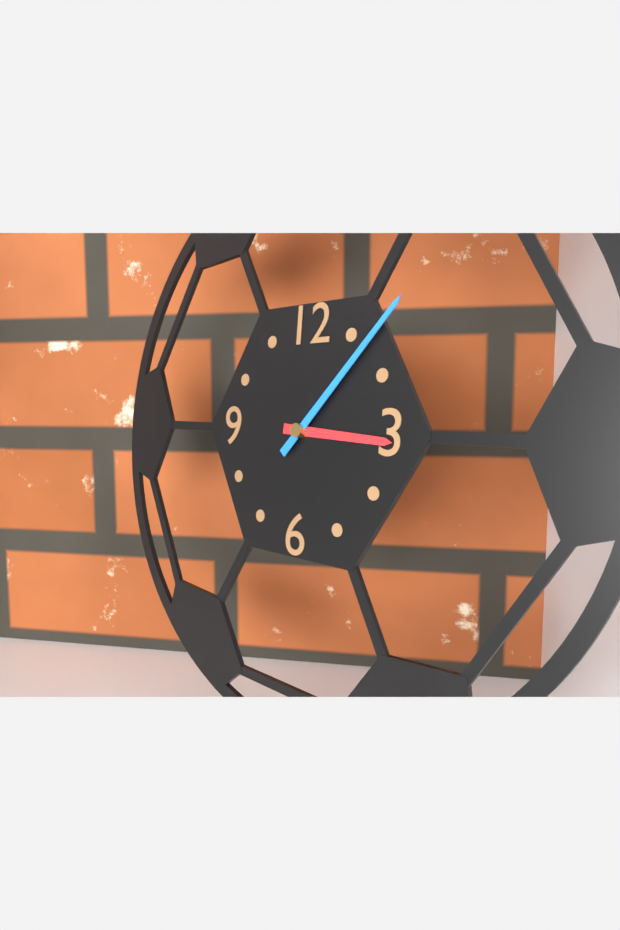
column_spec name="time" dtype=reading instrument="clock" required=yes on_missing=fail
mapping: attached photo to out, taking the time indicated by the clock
3:07
